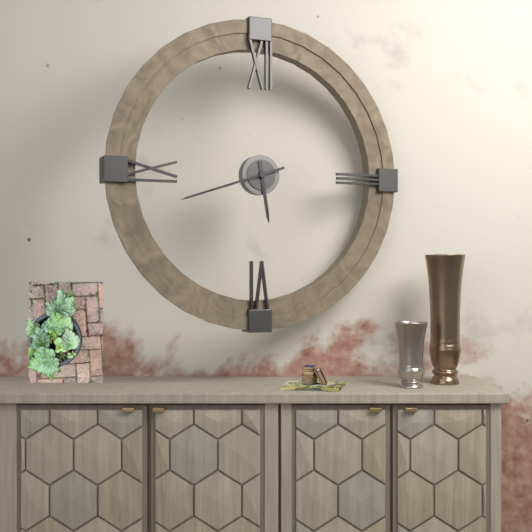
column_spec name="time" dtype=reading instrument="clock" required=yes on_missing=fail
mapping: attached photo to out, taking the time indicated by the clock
5:42
